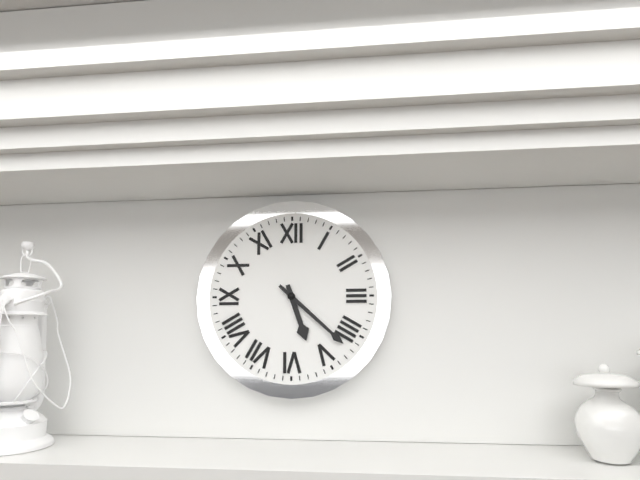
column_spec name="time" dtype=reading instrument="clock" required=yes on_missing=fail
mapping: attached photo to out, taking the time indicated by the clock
5:22
